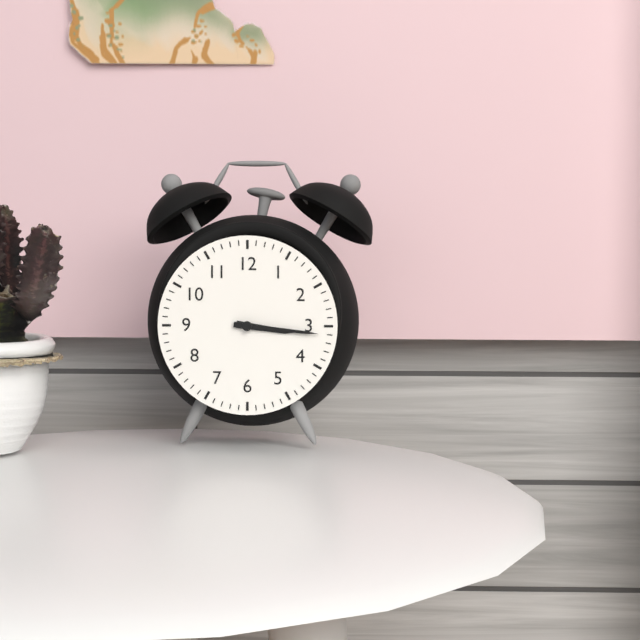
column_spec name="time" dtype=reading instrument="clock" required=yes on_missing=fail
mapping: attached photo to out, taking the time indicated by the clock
3:16
